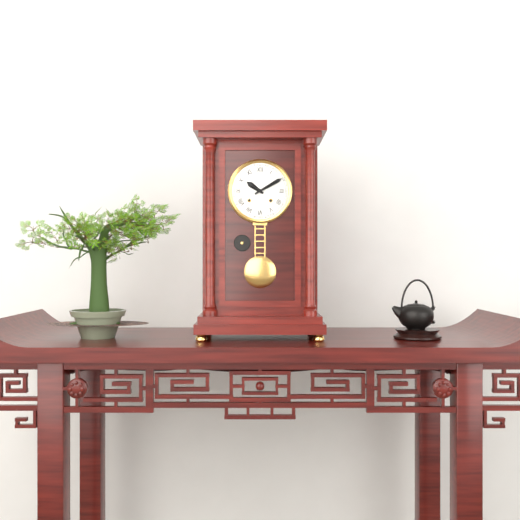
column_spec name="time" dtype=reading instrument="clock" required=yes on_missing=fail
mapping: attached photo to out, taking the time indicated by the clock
10:10
